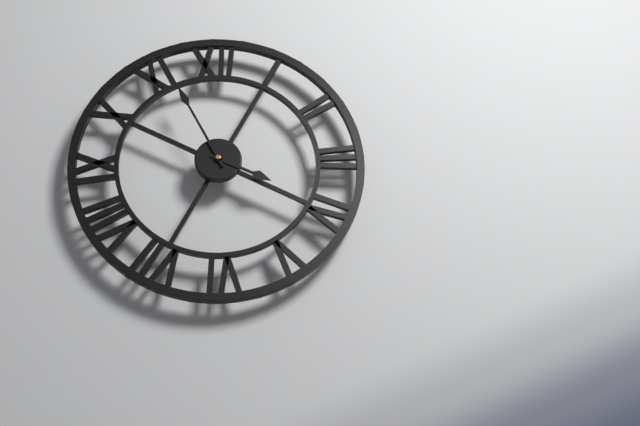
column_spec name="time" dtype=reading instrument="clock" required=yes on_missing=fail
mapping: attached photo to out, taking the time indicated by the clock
3:56
